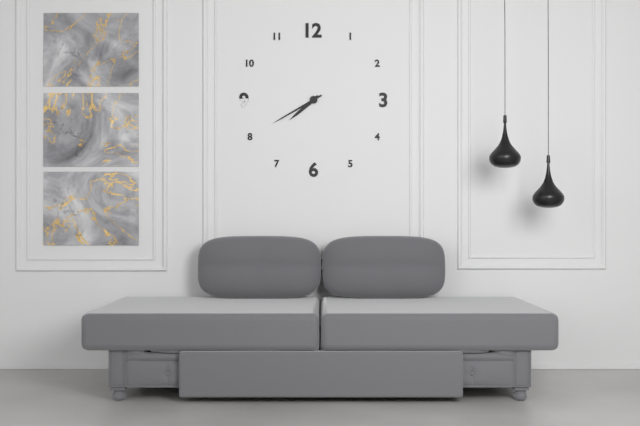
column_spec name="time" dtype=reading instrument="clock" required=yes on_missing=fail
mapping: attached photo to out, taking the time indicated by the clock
7:40
